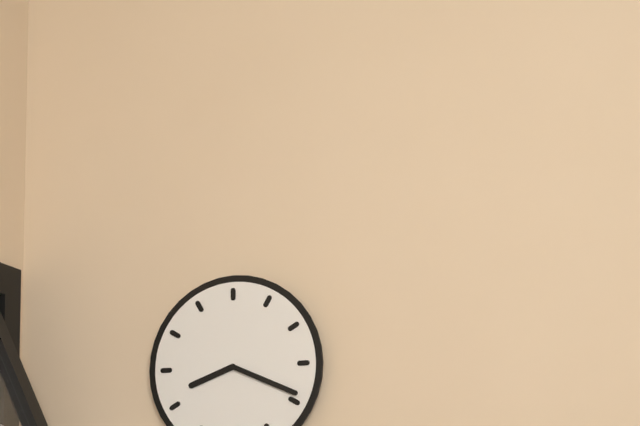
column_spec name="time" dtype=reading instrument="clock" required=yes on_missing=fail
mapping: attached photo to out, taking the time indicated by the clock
8:19
